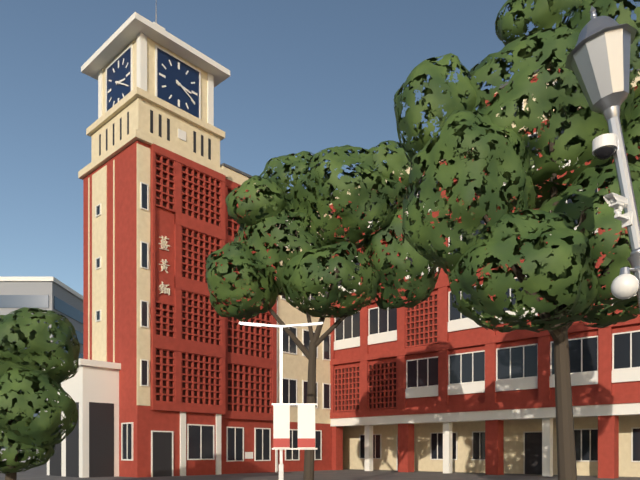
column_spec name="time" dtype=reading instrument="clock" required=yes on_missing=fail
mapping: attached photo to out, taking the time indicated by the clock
3:20
